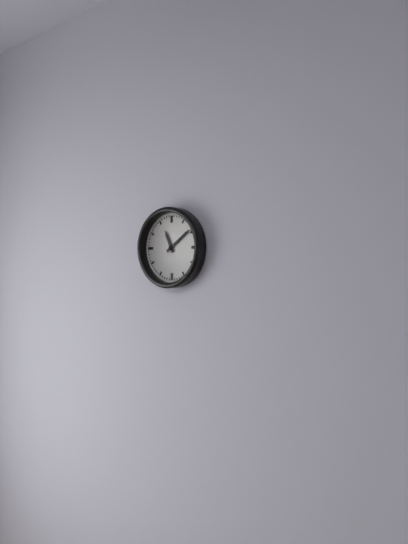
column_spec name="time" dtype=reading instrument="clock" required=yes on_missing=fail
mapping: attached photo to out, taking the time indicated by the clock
11:09
